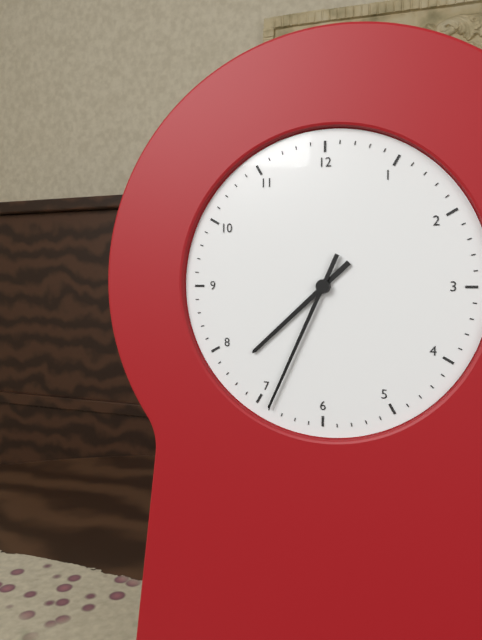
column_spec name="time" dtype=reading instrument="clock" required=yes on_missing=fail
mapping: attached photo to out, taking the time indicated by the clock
7:34
